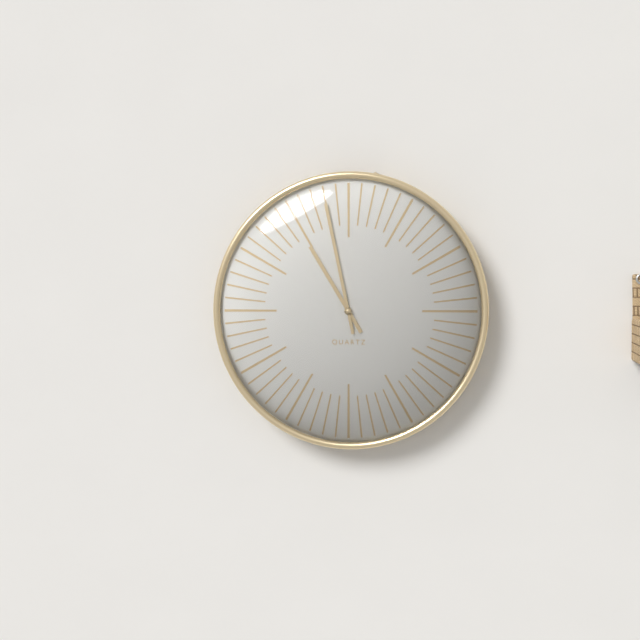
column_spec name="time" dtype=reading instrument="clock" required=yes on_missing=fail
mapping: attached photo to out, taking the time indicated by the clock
10:58
